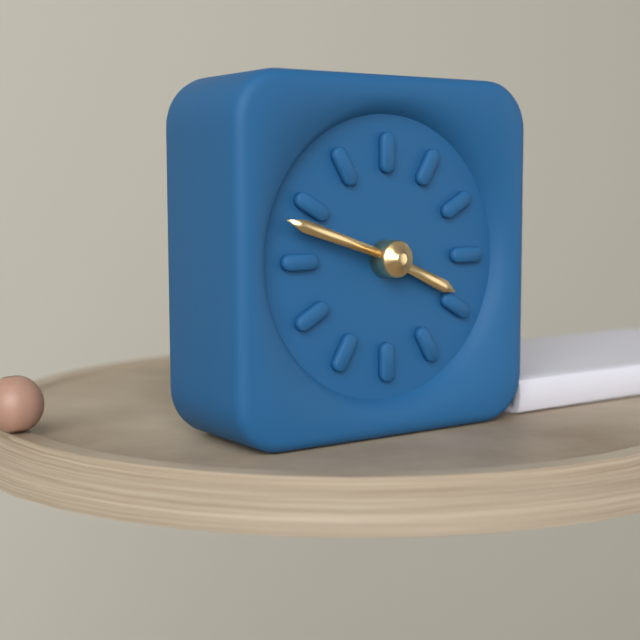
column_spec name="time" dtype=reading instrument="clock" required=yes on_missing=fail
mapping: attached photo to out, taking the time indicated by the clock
3:48
